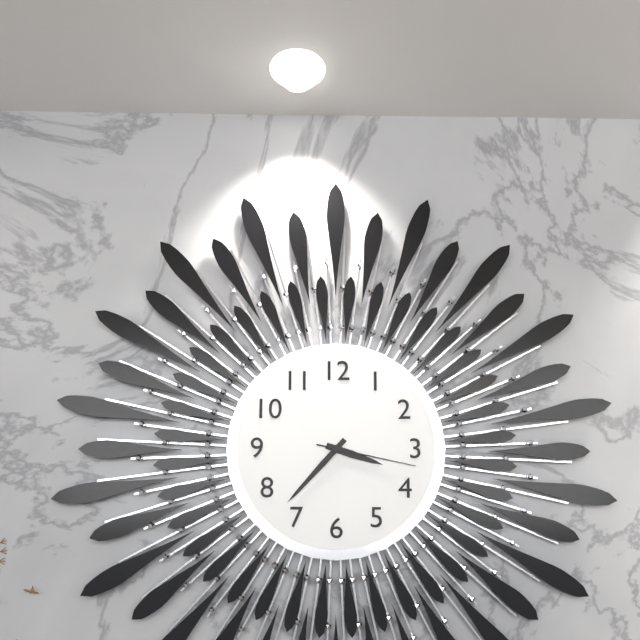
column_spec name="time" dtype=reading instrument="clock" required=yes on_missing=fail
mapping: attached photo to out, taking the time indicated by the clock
3:37:17
